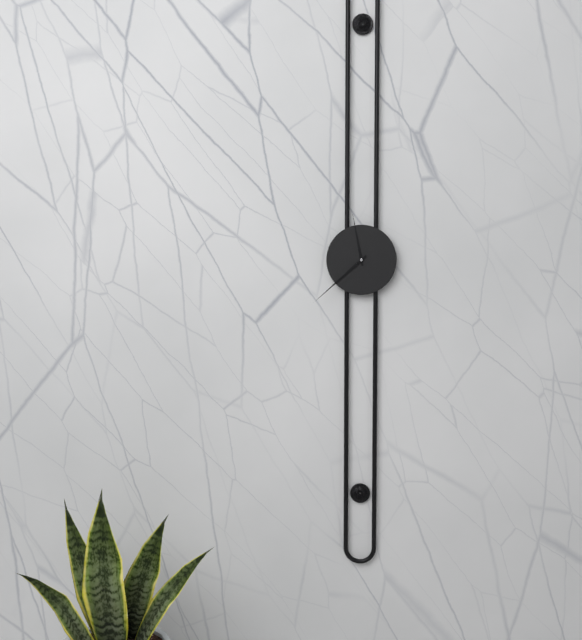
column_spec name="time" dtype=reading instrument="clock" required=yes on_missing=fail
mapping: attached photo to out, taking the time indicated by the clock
11:38
